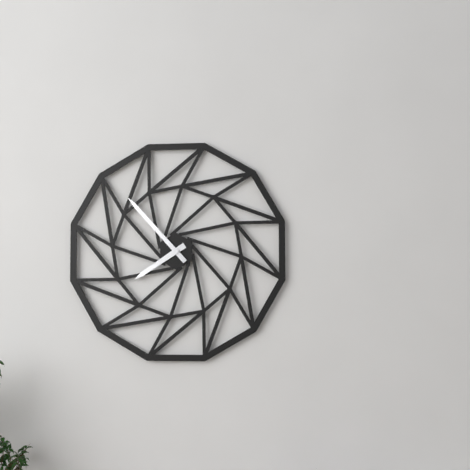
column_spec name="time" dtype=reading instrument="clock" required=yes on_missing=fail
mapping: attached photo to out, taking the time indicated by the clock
7:53
